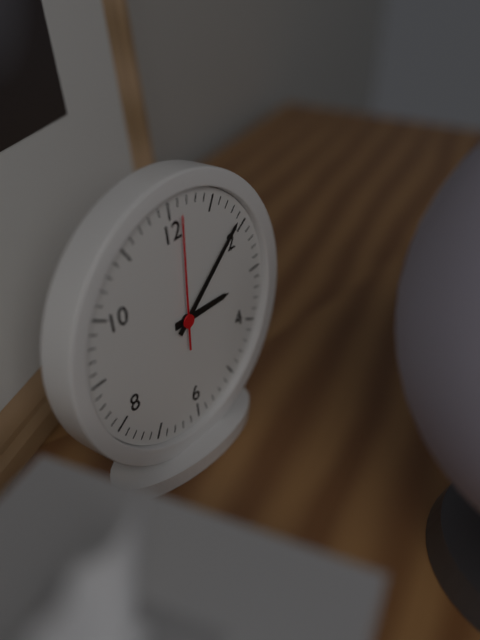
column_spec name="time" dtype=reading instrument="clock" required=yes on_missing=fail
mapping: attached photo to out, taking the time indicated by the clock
3:09:01
